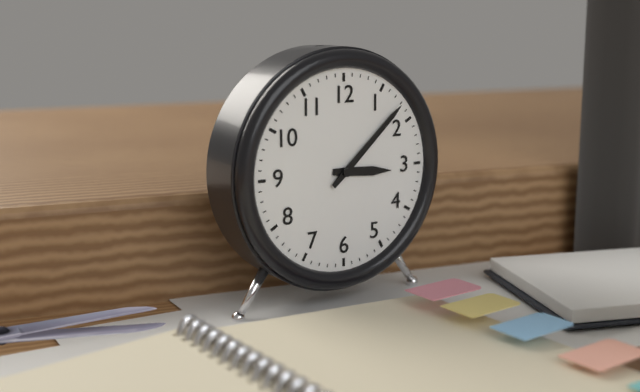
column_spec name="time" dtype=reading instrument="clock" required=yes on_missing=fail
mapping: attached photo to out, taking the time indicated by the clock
3:08
